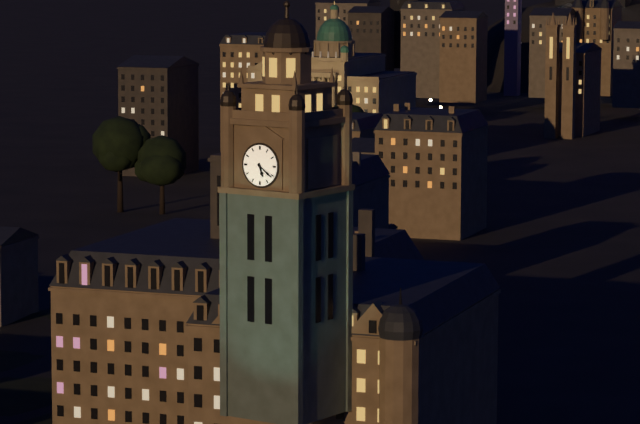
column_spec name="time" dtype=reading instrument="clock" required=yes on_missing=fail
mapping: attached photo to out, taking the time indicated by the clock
5:21
